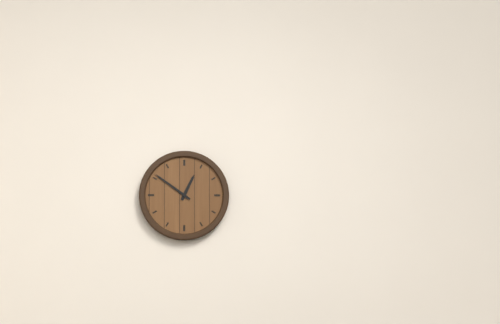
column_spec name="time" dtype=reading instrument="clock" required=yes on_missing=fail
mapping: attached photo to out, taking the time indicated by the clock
12:51
